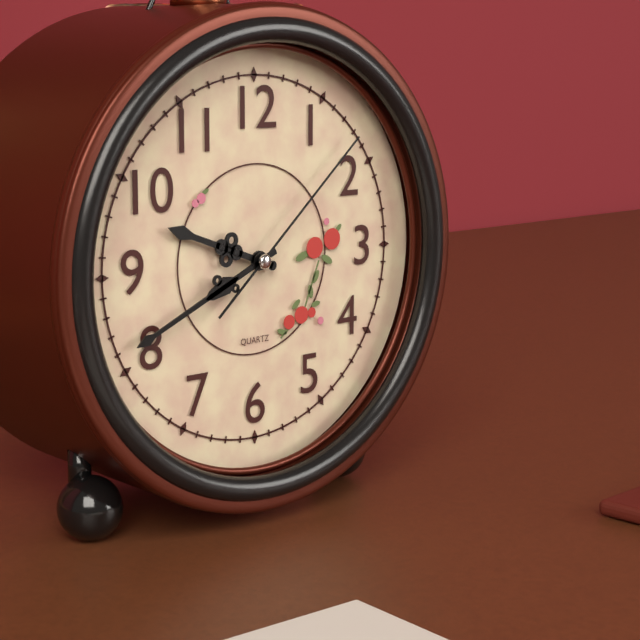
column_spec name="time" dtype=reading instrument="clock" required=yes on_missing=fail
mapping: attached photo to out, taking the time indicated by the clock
9:41:08
